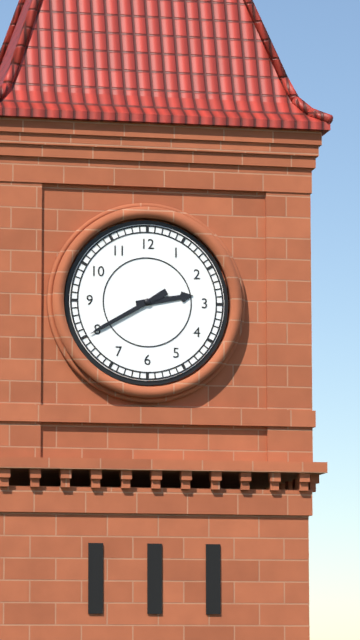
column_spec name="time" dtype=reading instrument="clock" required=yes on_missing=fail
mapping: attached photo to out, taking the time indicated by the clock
2:40
